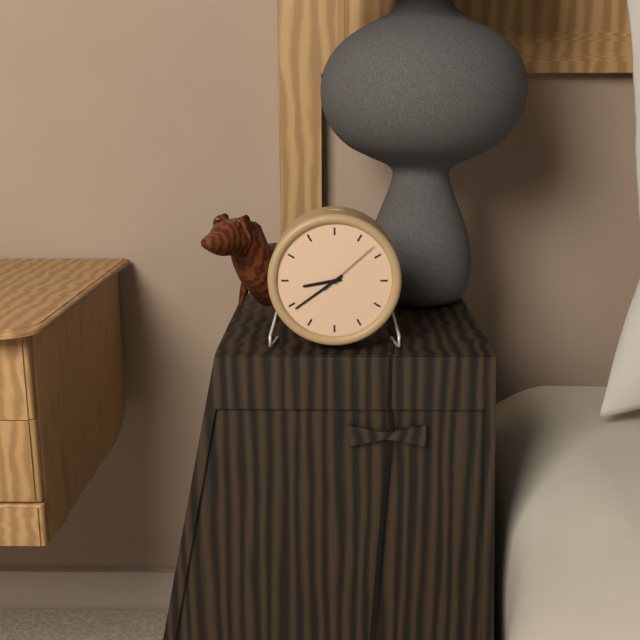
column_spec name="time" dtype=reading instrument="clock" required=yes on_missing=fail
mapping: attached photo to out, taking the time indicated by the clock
8:39:08
